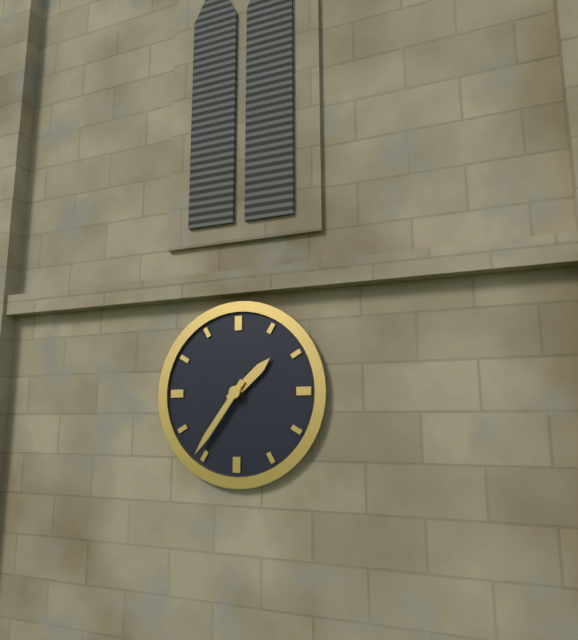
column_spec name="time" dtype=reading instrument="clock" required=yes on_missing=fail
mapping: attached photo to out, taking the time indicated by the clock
1:36
